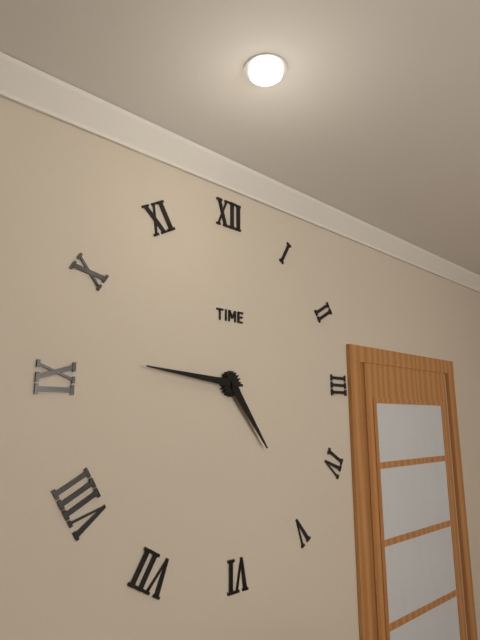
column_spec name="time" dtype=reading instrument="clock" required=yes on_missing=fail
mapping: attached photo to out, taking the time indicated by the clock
4:46
